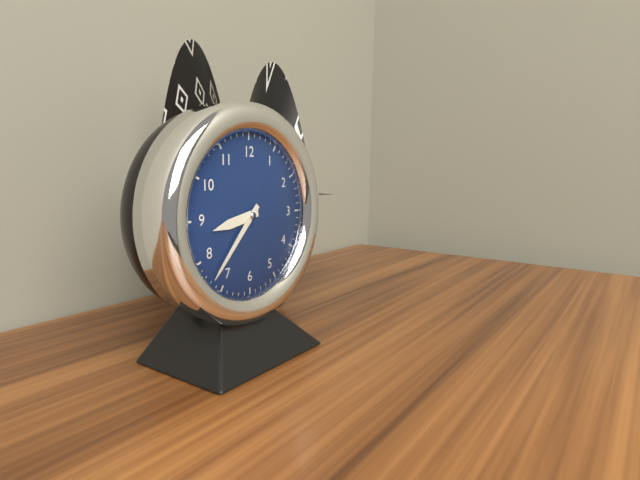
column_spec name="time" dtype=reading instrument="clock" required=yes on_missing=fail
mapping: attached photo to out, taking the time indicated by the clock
8:37
